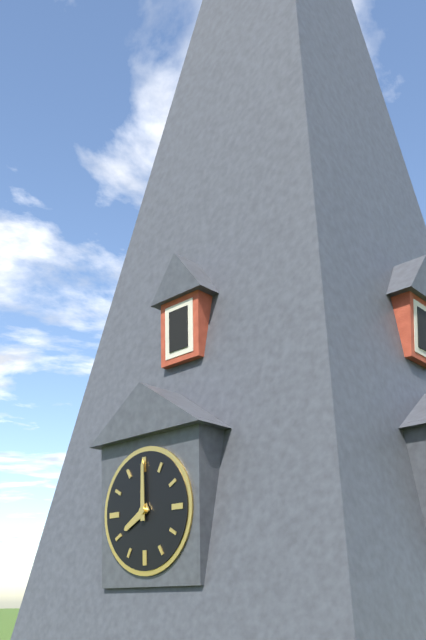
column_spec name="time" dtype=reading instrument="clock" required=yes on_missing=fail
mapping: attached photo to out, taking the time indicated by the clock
8:00
